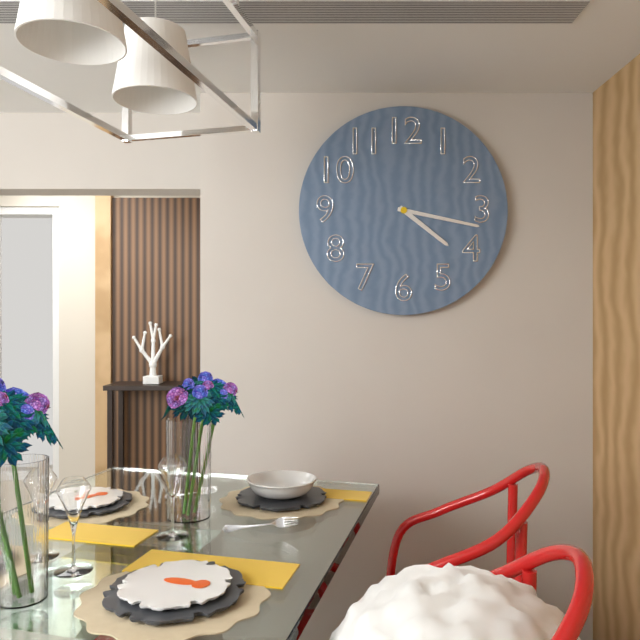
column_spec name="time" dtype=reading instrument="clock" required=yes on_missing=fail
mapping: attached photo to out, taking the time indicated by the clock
4:17
